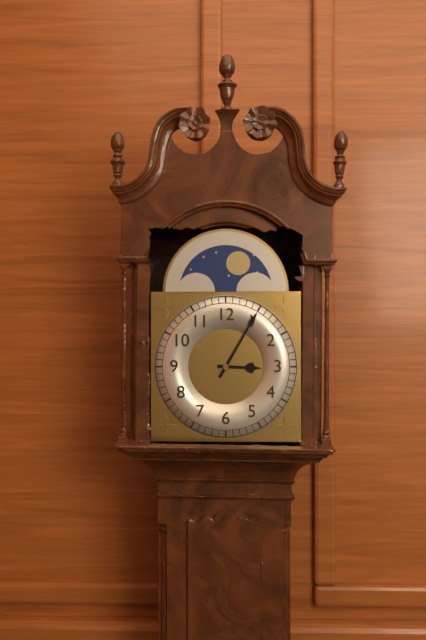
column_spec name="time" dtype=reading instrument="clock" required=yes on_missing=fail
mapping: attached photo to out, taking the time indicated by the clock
3:05
